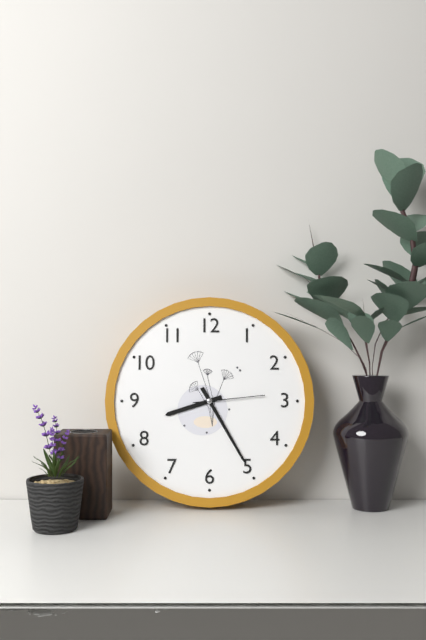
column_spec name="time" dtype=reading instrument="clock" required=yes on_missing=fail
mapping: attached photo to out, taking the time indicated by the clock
8:25:14
